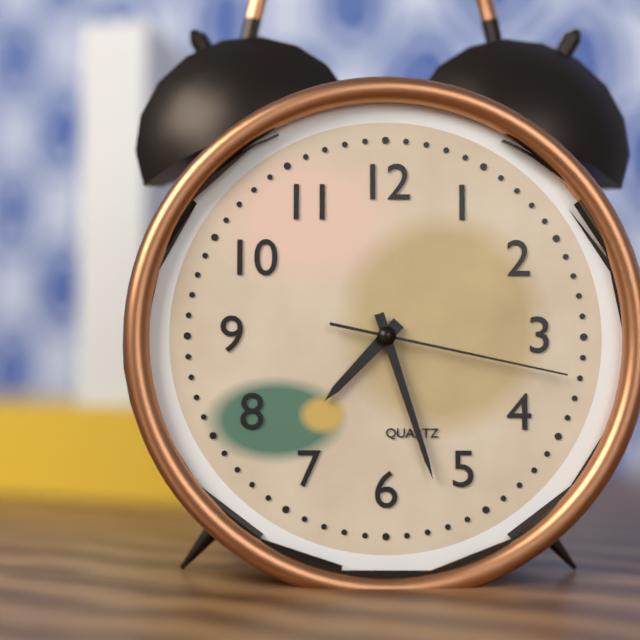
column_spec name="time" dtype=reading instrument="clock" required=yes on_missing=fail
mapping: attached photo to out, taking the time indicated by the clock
7:27:17
